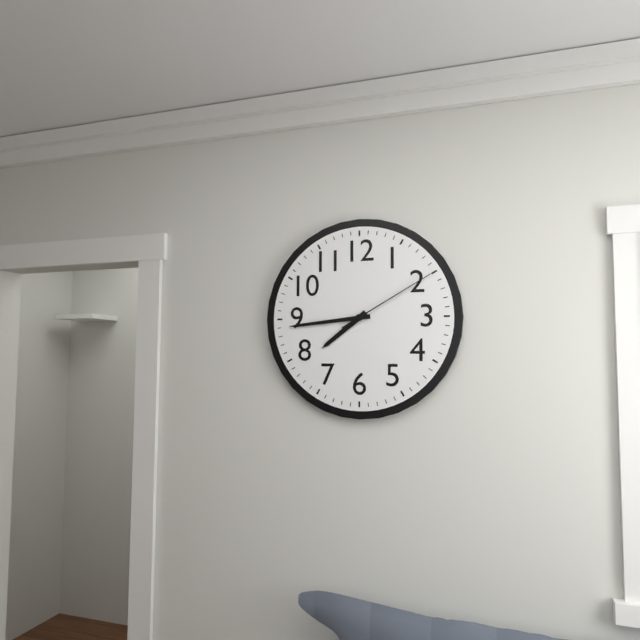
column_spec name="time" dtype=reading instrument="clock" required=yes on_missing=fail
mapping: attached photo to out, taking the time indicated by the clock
7:44:10
